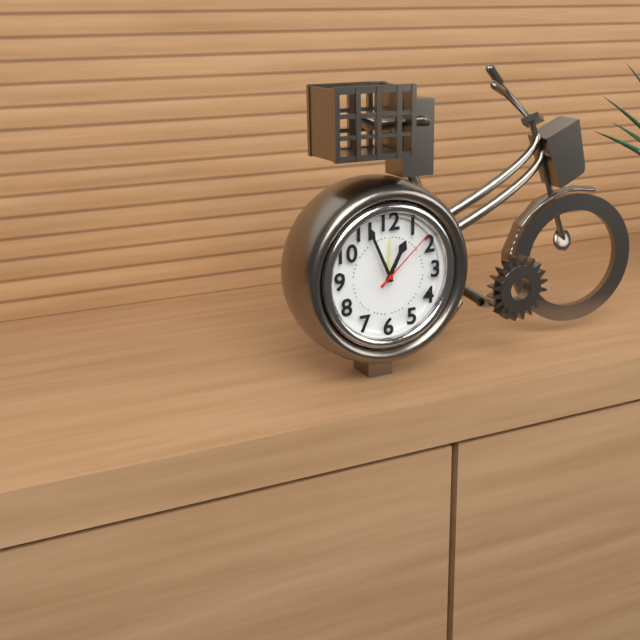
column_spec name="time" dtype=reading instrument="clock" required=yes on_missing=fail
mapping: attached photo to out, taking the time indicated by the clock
12:56:08
